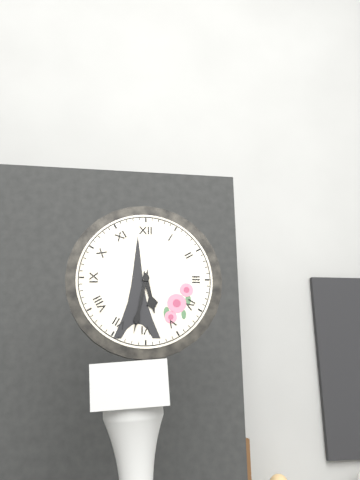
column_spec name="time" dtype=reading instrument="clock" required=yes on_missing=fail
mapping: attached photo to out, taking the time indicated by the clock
5:32
